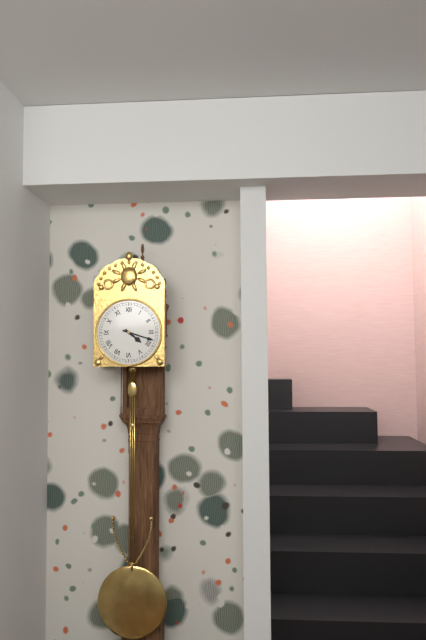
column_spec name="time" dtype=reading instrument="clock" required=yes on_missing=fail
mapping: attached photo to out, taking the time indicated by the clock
4:18
